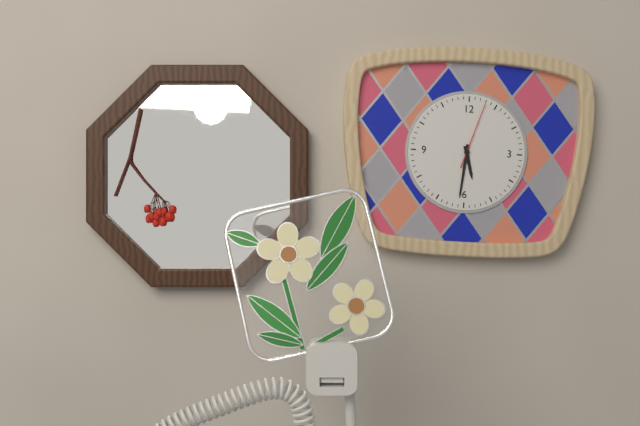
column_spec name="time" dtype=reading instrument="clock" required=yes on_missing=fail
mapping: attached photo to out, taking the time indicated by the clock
5:31:03
